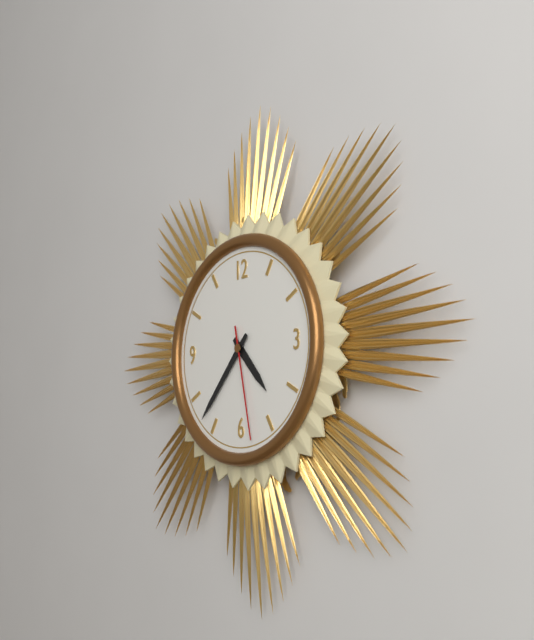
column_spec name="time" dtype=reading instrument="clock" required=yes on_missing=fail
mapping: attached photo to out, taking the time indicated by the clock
4:37:28
